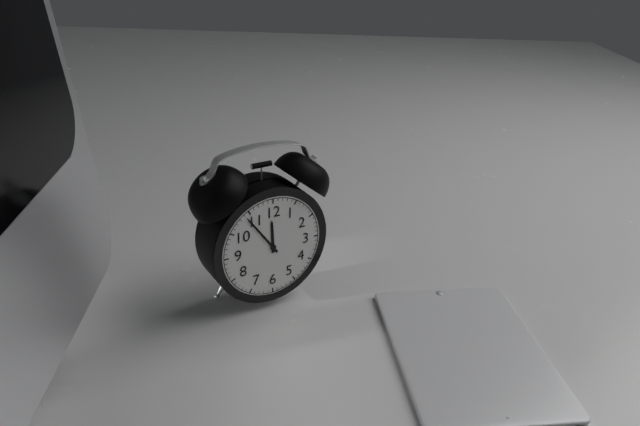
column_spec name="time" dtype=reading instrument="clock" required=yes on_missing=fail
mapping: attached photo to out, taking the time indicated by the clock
11:54
